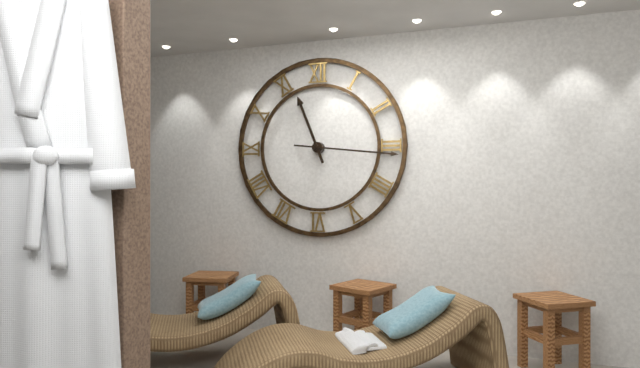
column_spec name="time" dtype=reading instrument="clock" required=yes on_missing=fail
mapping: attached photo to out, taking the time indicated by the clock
11:16
